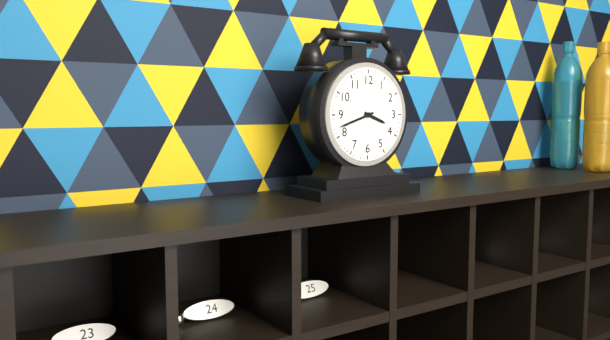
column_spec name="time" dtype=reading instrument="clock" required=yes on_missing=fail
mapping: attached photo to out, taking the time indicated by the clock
3:42
